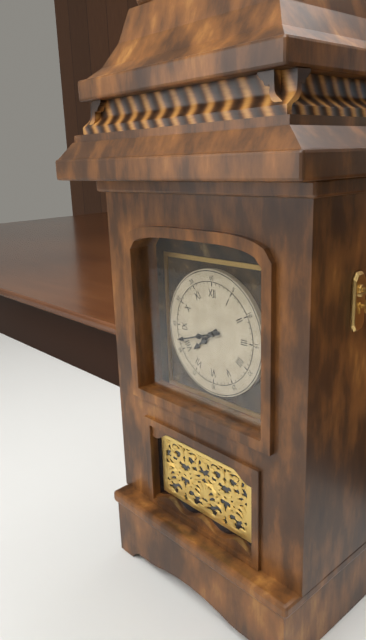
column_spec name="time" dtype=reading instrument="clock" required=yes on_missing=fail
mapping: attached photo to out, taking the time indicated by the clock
7:42
